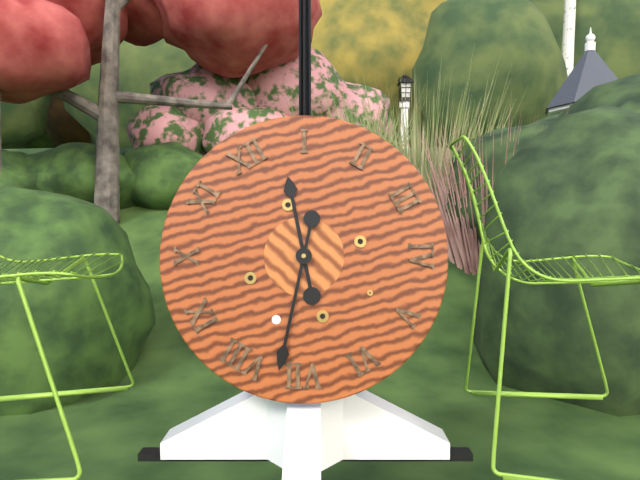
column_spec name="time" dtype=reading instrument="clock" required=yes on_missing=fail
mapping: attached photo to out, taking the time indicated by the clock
12:37
